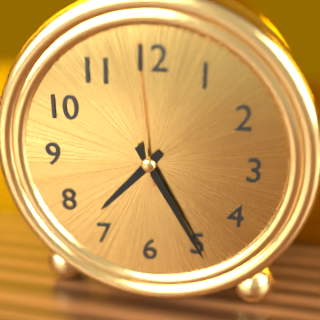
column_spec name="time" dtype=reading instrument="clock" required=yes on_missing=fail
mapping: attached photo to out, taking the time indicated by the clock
7:25:59
